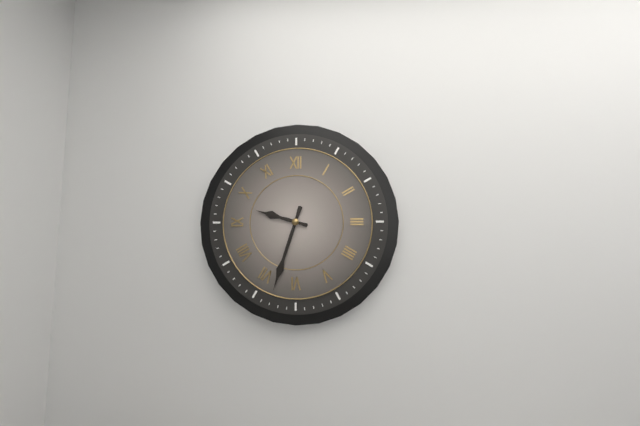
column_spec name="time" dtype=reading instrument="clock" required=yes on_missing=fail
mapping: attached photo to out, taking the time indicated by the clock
9:33
